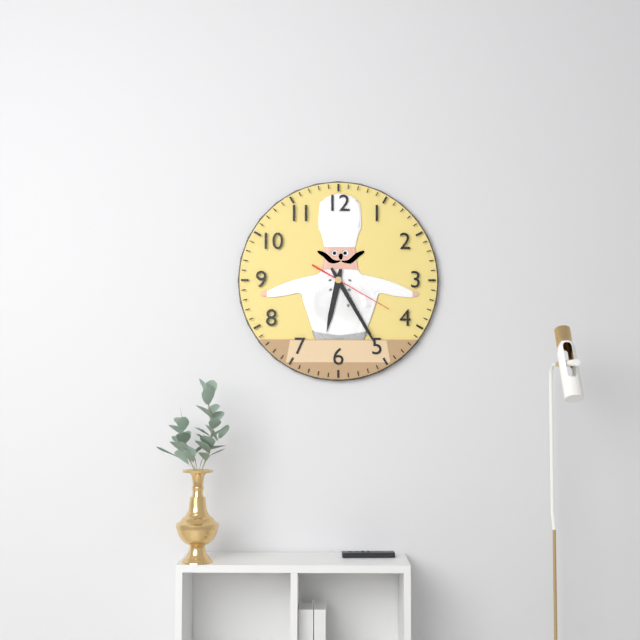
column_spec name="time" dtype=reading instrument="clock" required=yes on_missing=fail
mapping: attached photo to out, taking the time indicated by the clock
6:25:20
